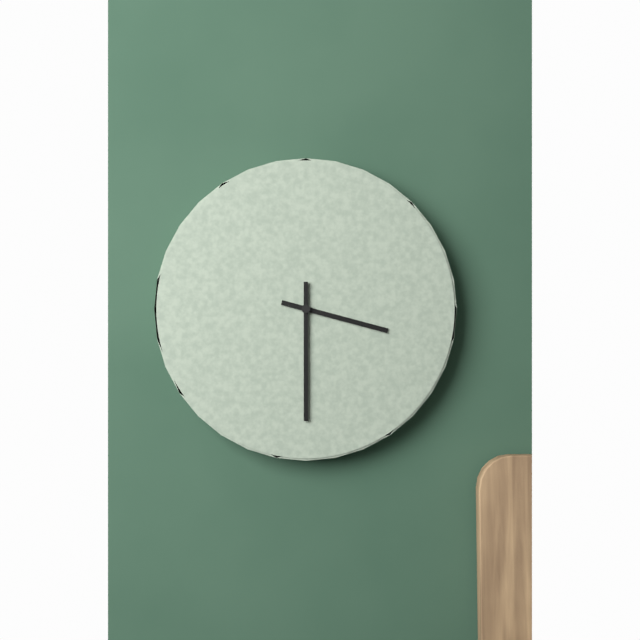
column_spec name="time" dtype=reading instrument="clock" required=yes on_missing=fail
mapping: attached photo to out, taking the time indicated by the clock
3:30
